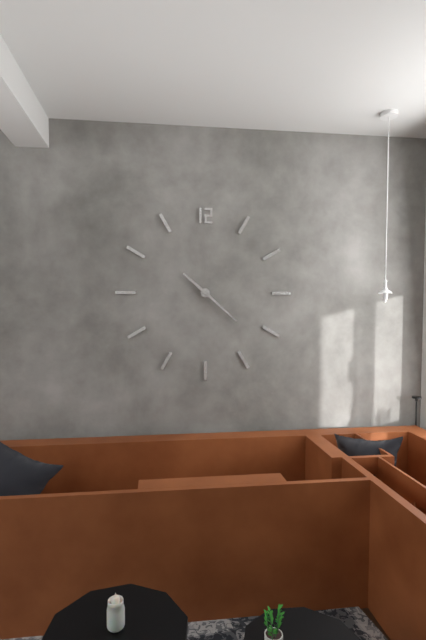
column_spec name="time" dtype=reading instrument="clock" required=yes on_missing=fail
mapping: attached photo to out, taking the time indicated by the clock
10:22
